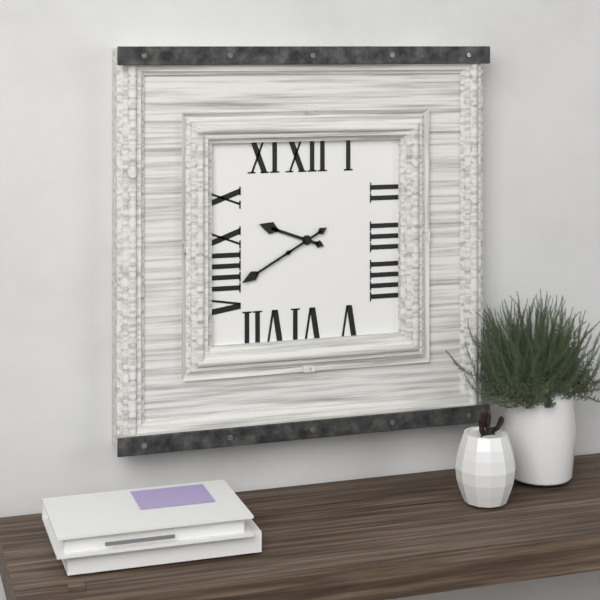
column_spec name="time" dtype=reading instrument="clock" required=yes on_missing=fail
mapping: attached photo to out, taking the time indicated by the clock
9:40
